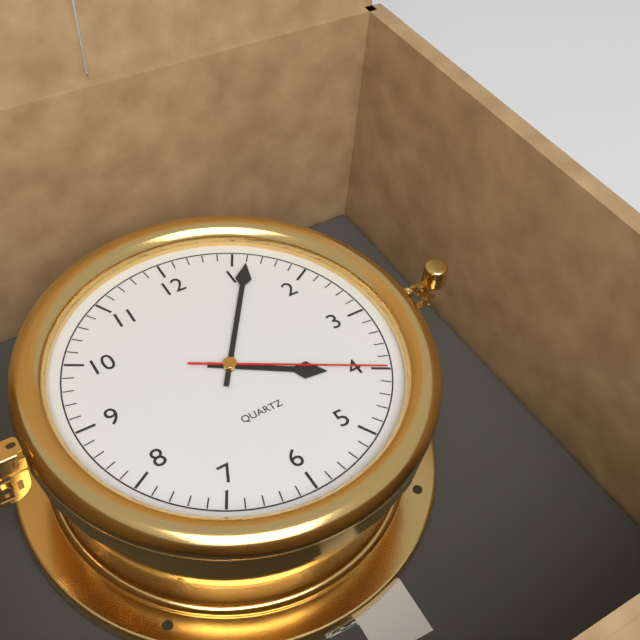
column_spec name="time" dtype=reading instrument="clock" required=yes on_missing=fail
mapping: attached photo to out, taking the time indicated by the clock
4:06:20
